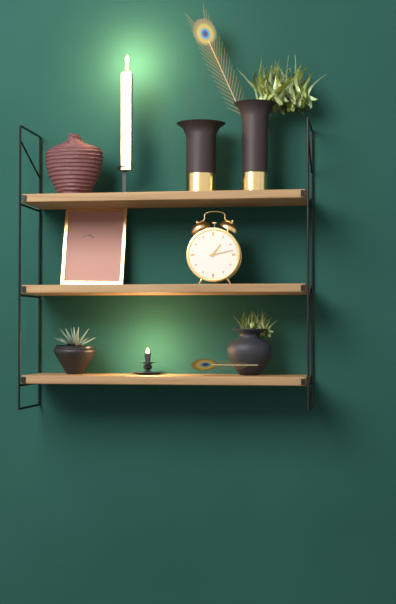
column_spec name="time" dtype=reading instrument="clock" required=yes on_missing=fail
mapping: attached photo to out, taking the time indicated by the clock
1:13
